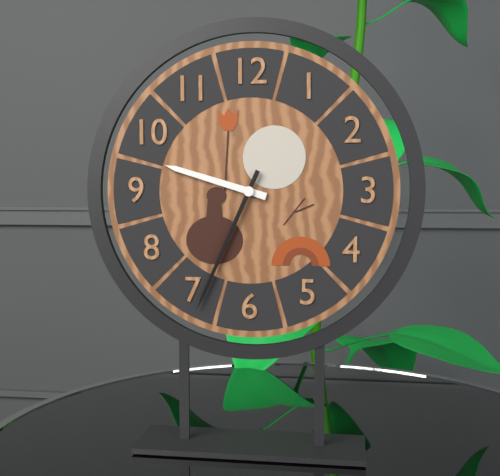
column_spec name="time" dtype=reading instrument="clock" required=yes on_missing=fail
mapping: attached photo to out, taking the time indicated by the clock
9:34
